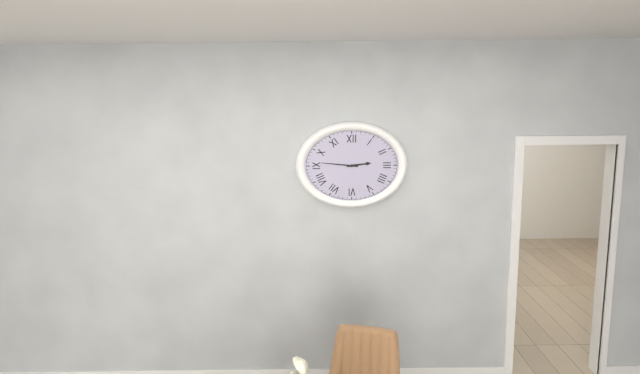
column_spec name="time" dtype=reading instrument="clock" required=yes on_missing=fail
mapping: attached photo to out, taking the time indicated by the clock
2:46
